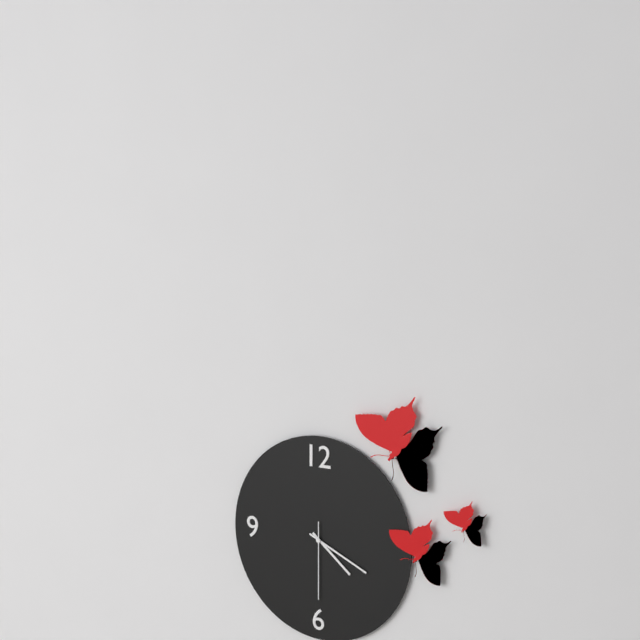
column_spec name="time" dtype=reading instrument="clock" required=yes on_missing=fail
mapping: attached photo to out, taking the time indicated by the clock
4:19:30
